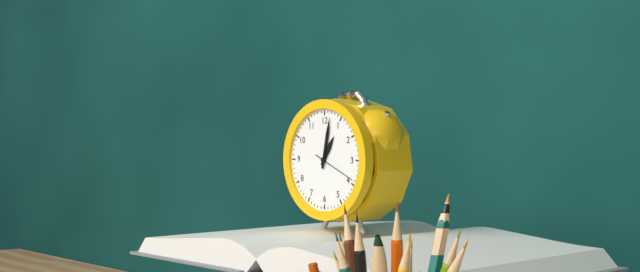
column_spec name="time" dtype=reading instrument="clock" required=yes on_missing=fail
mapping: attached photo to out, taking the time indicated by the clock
1:02
